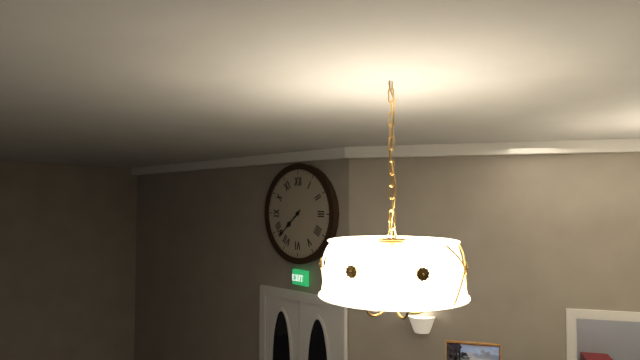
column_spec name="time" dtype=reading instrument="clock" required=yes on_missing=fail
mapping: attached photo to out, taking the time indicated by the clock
7:38
